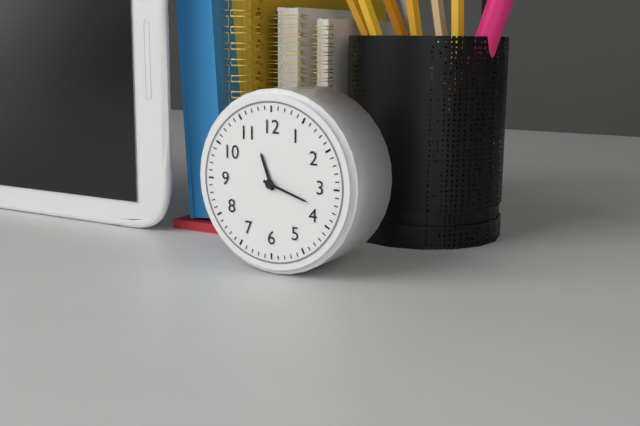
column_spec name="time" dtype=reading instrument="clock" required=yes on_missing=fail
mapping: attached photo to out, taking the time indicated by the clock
11:18
